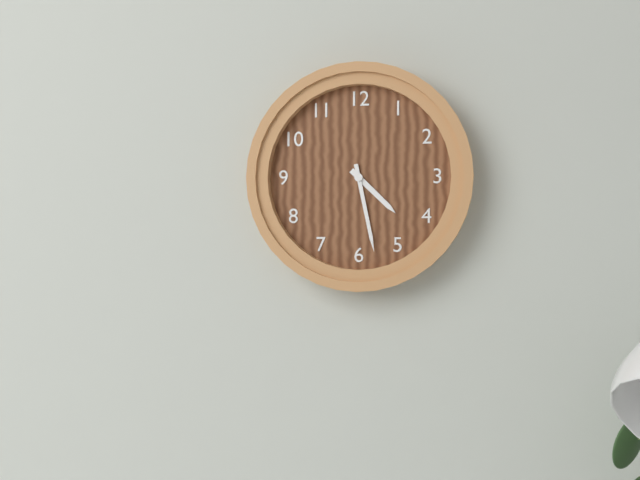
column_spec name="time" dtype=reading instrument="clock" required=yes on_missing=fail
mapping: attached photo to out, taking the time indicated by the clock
4:28
